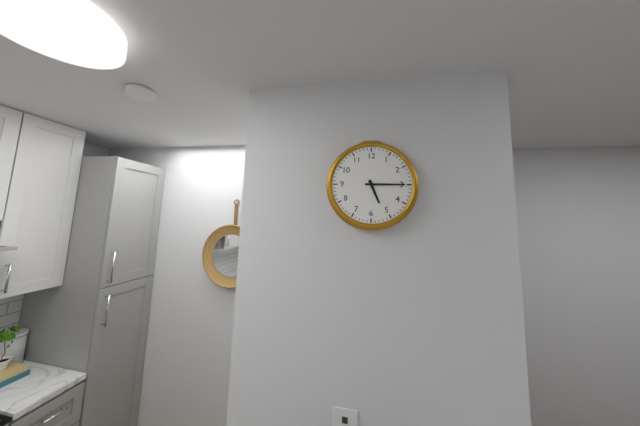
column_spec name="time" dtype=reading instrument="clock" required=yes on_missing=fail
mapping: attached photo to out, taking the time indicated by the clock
5:15
